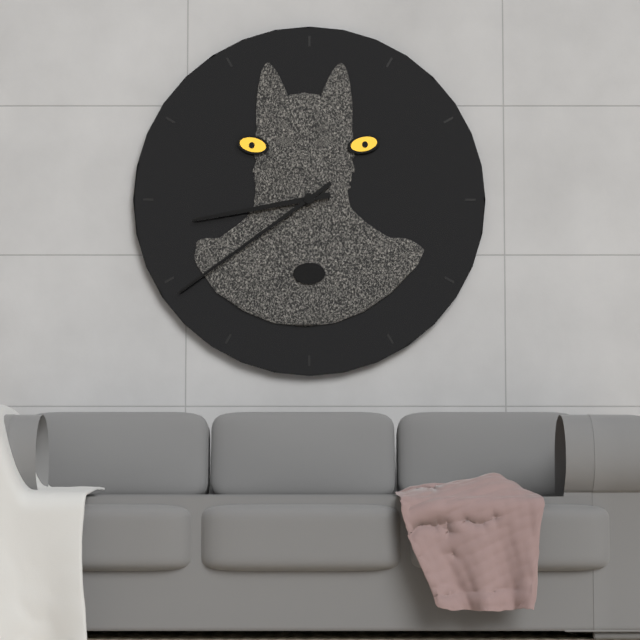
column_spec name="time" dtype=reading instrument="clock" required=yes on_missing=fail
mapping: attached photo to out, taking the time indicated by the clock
8:39
